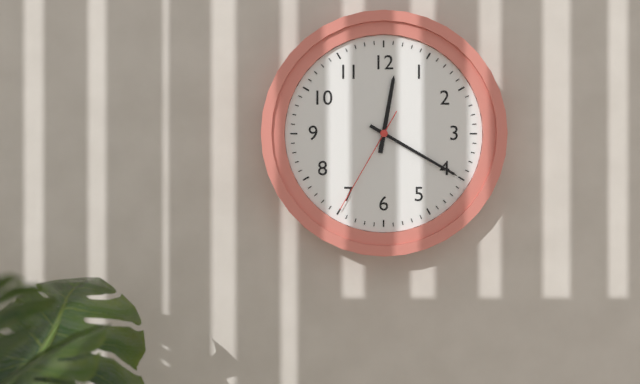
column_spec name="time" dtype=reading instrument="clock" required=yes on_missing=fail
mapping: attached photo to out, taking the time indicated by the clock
12:20:35
